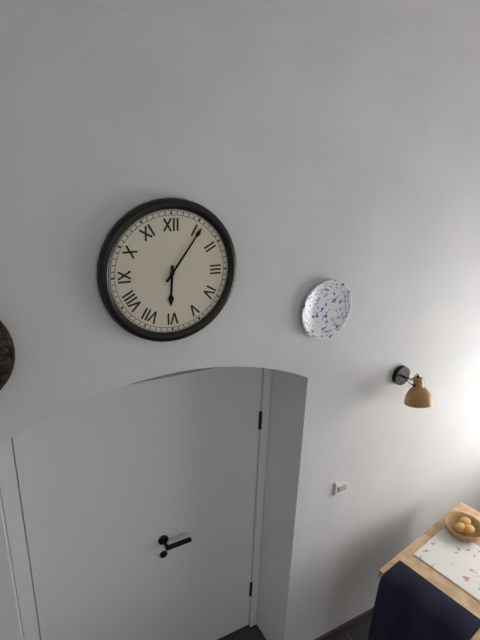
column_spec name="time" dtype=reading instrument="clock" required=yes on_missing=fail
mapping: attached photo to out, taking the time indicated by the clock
6:06
